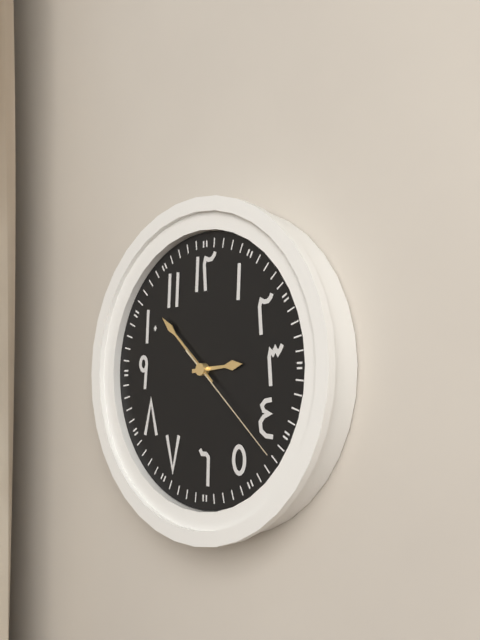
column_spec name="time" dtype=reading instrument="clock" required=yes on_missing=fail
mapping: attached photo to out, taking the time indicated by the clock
2:52:22
